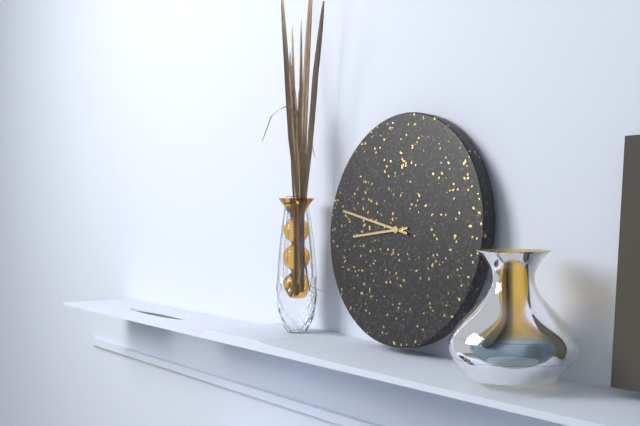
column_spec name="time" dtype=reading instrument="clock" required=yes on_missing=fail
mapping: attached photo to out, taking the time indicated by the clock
8:47
